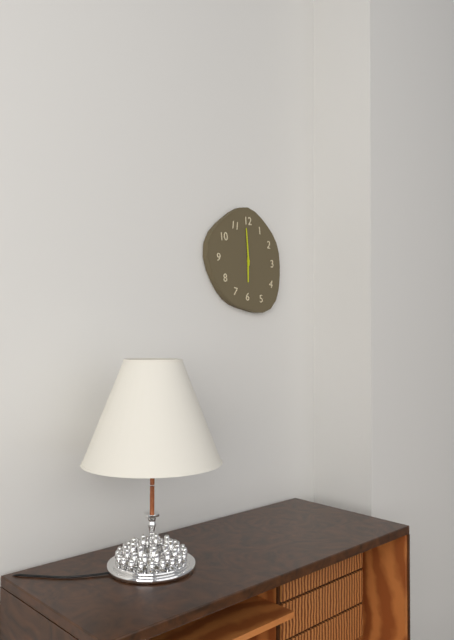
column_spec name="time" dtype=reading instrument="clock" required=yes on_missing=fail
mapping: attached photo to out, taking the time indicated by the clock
5:59
